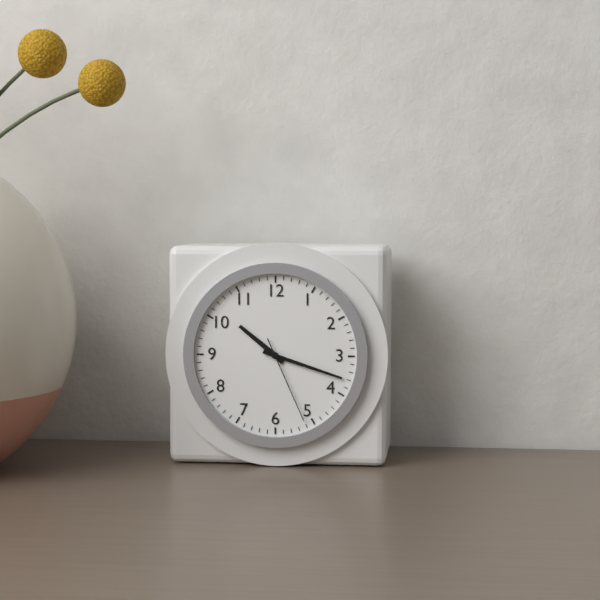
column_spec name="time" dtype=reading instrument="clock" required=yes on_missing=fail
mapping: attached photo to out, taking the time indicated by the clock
10:18:26
